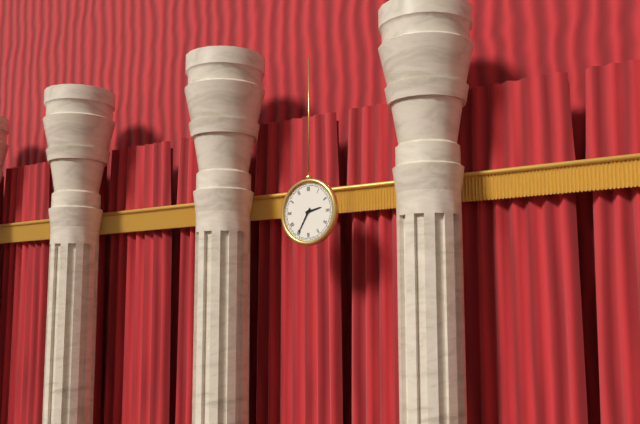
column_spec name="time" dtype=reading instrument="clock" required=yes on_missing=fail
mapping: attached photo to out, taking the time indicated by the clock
2:35
